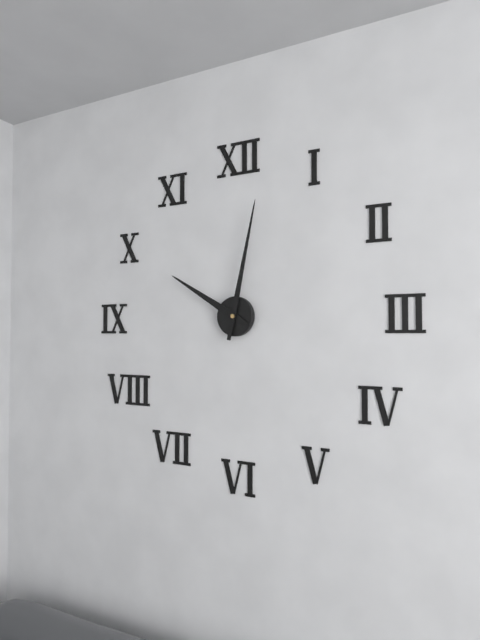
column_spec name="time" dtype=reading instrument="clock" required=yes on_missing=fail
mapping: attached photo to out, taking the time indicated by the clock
10:02
